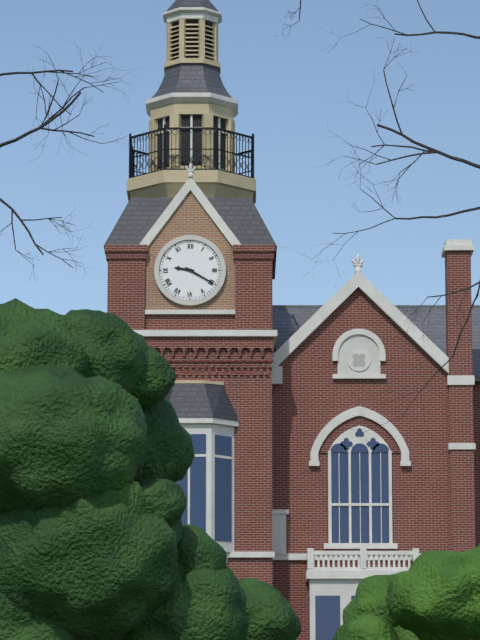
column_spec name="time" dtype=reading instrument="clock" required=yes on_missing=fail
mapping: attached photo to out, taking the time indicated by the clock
9:20
